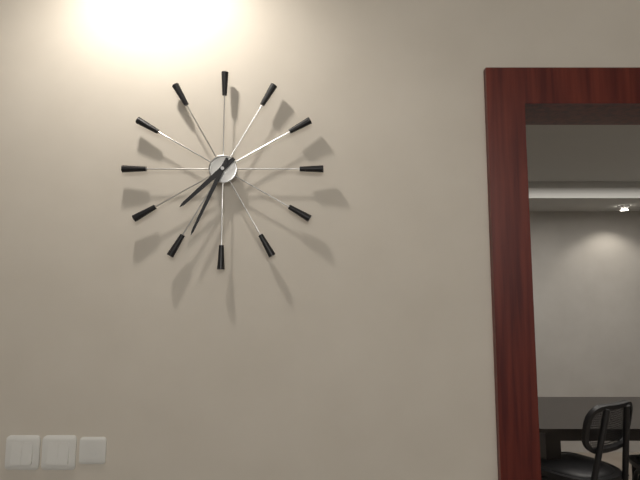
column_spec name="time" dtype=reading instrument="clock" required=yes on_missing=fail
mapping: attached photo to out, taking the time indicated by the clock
7:34
